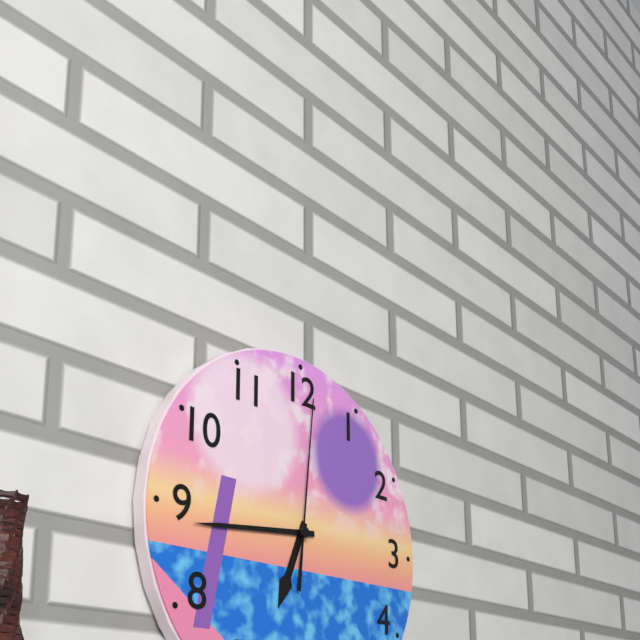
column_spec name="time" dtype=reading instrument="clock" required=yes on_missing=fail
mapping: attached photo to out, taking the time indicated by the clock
6:44:01
